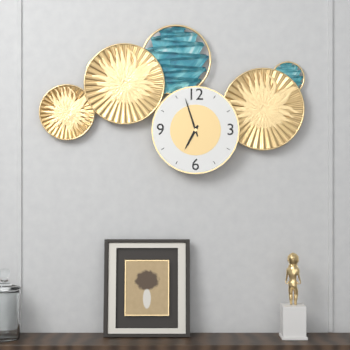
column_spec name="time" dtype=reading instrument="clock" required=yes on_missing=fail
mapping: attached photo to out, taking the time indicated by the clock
6:57
